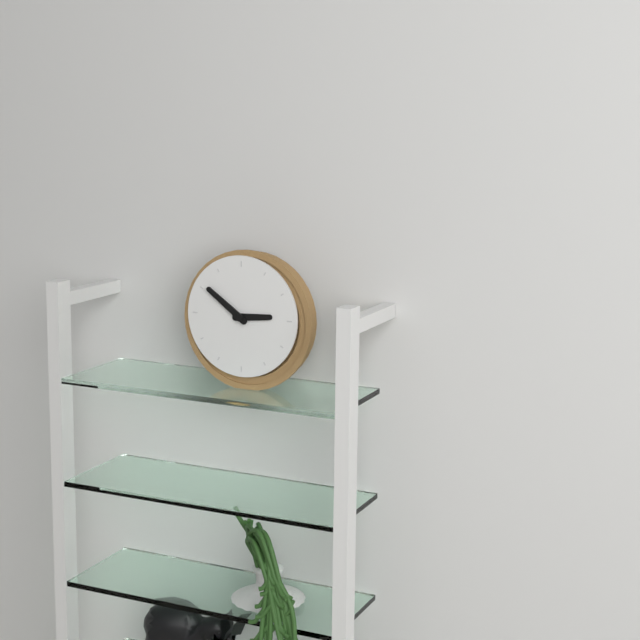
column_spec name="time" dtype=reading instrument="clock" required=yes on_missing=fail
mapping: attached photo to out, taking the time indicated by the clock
2:51
